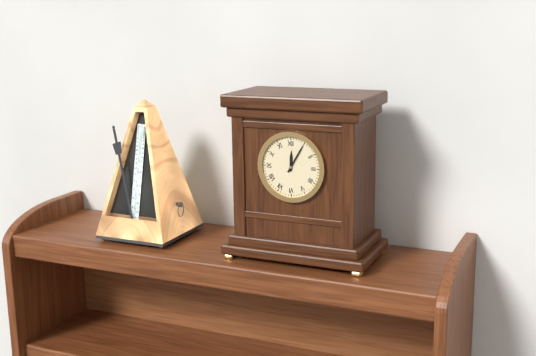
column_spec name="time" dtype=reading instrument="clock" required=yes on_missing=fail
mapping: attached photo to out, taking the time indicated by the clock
12:05
